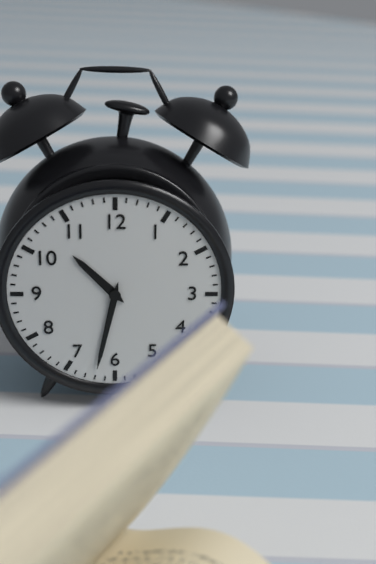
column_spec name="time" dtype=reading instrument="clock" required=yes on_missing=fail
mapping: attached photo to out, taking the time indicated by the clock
10:32
